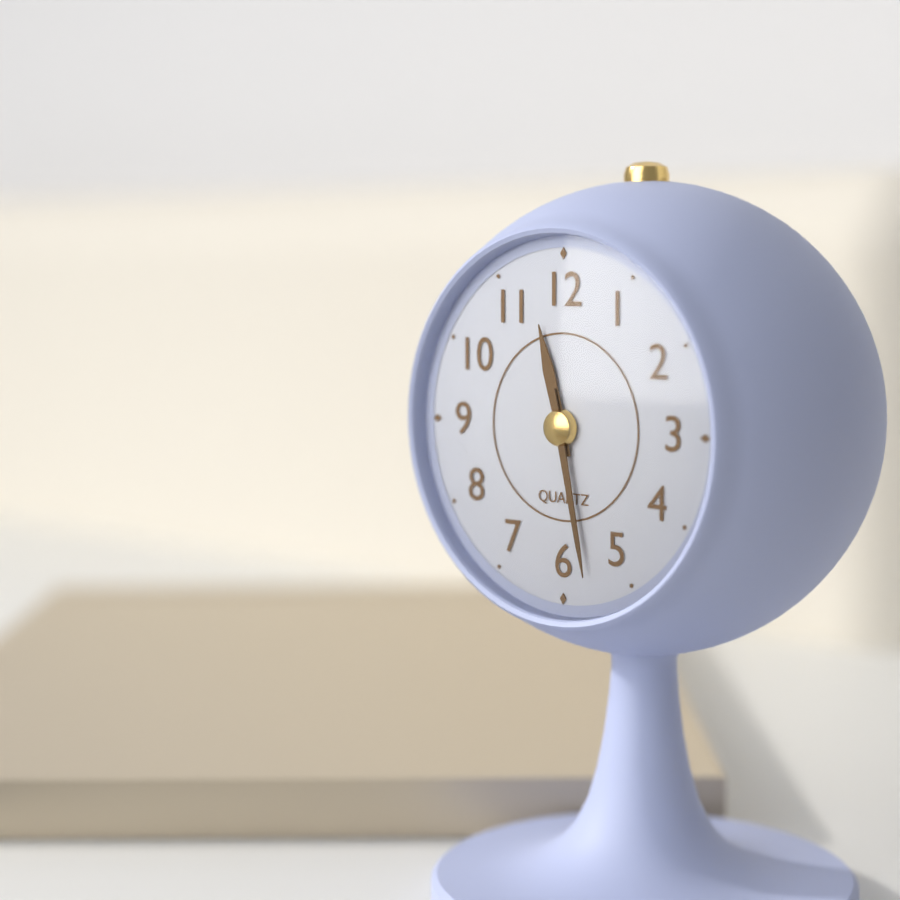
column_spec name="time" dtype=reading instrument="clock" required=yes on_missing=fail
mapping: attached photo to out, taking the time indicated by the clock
11:28
